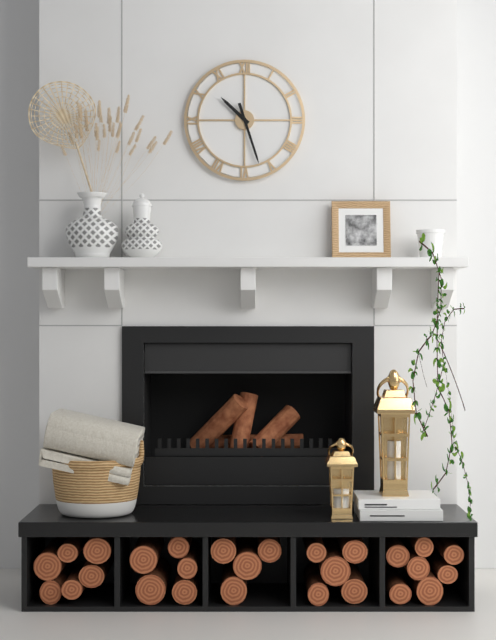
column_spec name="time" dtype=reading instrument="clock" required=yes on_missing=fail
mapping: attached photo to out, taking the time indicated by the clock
10:27
